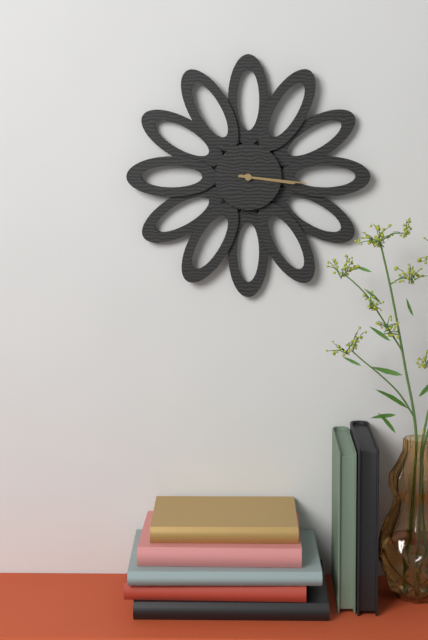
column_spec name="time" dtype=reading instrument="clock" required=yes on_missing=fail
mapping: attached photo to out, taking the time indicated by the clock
3:16
